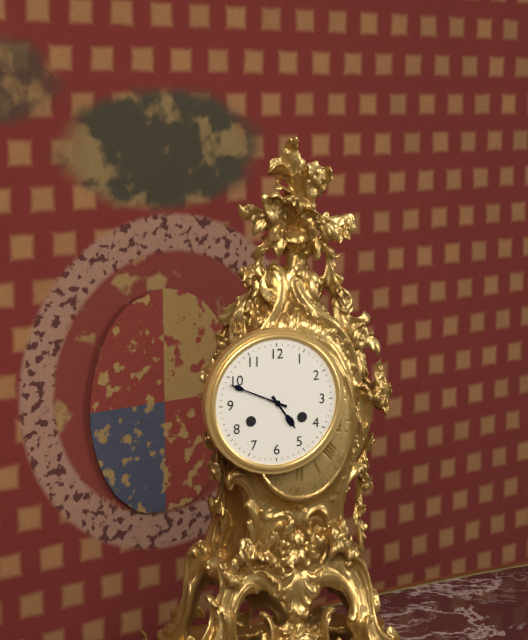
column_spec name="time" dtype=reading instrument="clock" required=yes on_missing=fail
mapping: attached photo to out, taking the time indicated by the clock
4:49
